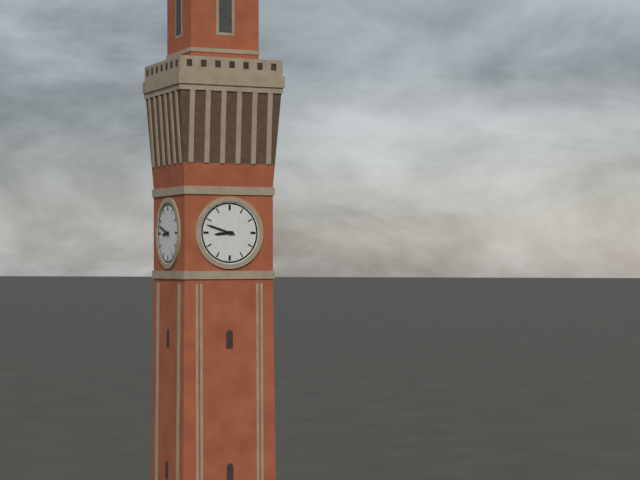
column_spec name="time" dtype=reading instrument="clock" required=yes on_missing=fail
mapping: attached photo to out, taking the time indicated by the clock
8:48
